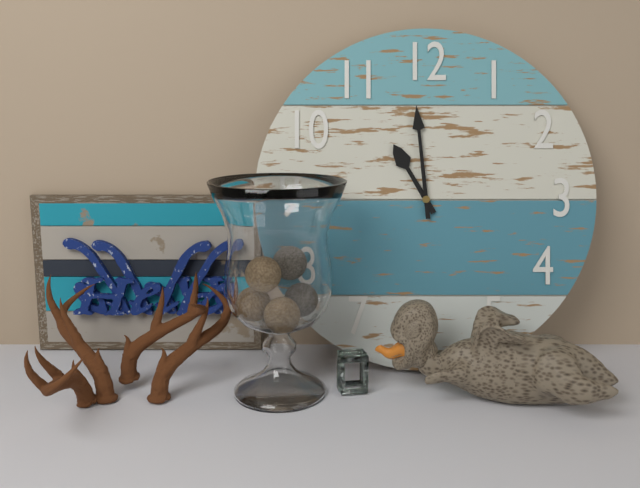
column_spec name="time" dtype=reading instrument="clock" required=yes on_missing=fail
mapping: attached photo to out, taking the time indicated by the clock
10:59
